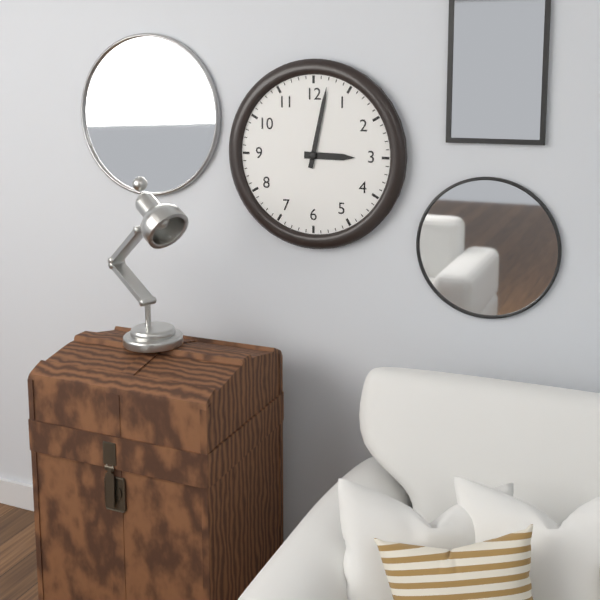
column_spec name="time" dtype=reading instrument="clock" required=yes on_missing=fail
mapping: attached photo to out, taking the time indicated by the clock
3:02
